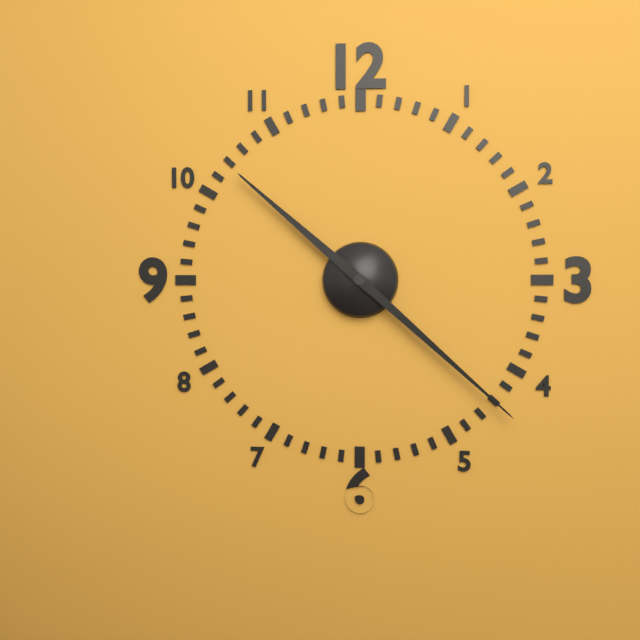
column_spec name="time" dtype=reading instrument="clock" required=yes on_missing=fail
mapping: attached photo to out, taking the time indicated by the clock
10:22
